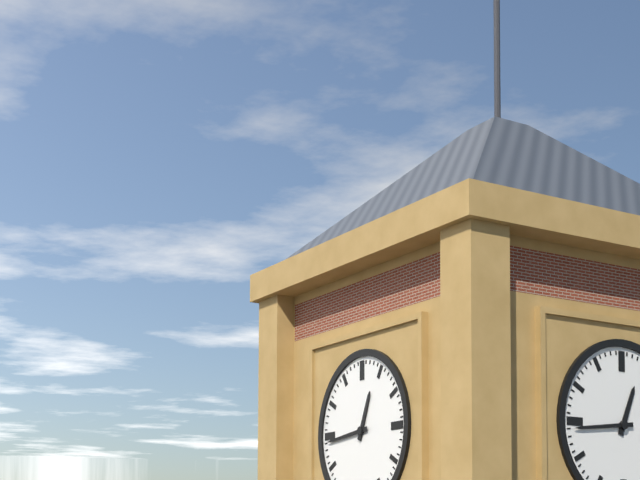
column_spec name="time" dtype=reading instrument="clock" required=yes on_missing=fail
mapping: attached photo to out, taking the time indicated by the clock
12:44
